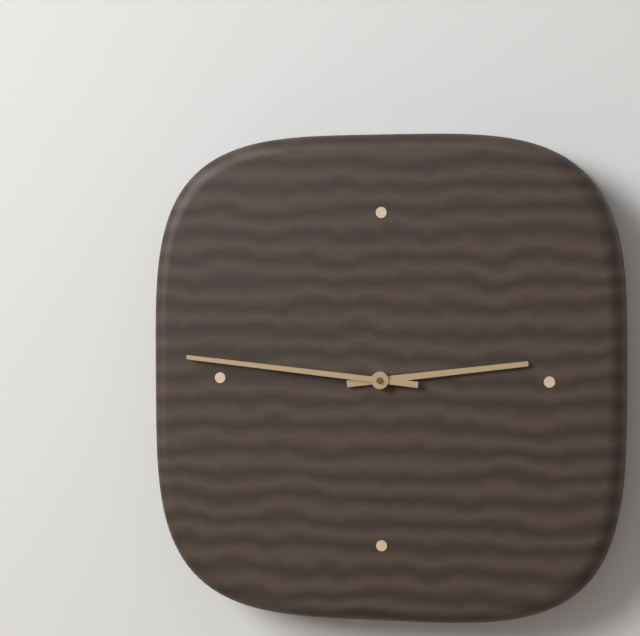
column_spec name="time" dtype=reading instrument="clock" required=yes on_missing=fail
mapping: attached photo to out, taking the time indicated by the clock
2:46
